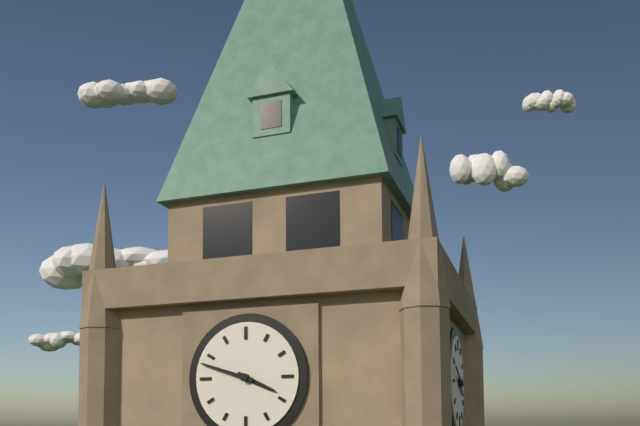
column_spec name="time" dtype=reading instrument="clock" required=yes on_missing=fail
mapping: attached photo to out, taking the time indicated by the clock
3:48
